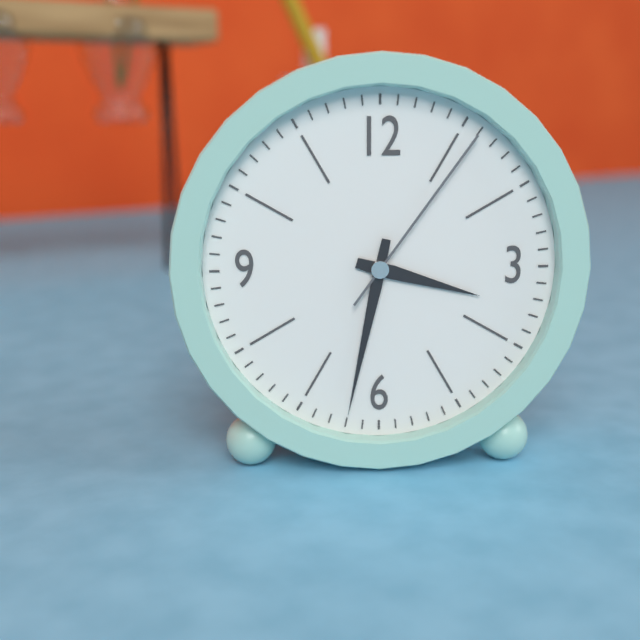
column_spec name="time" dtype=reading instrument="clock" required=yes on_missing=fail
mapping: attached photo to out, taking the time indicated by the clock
3:32:06
